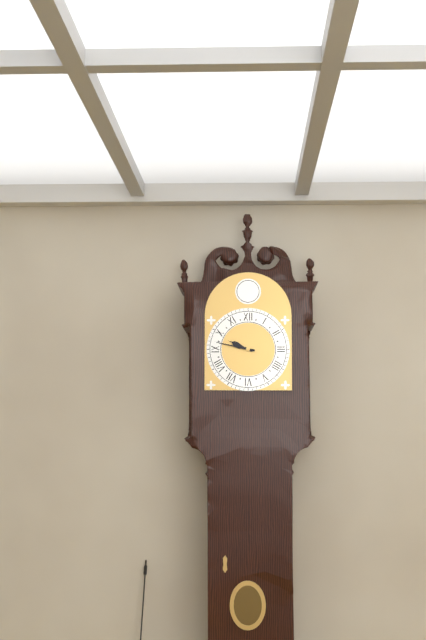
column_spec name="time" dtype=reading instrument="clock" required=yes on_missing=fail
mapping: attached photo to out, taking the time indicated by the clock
9:47
